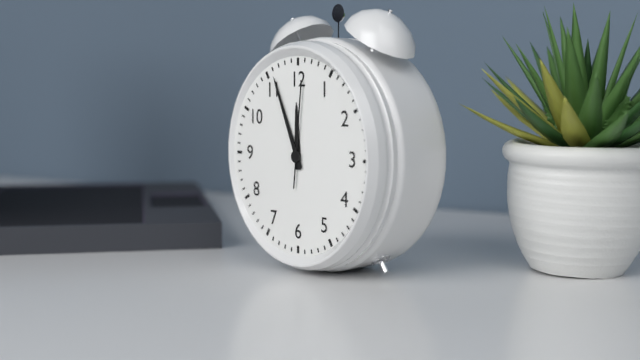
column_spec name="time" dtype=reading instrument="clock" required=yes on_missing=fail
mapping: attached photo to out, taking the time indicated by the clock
11:56:01
